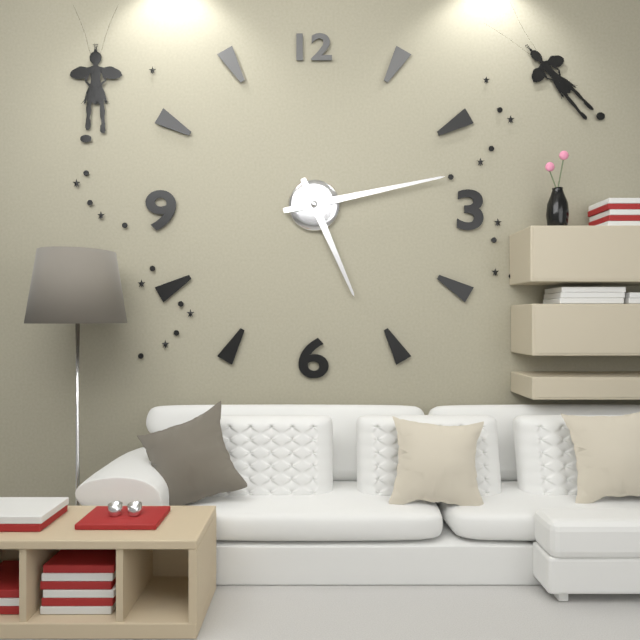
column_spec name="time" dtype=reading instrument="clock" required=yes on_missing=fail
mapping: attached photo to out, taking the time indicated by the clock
5:13
